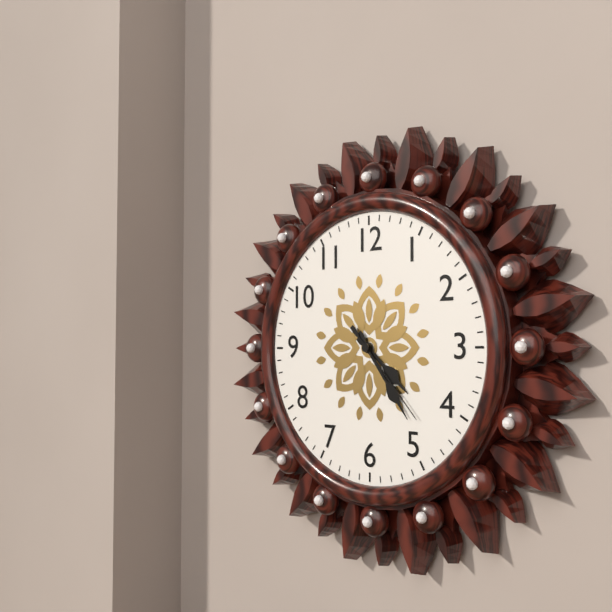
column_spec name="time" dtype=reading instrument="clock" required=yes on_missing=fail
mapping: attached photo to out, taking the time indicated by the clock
4:24:23
